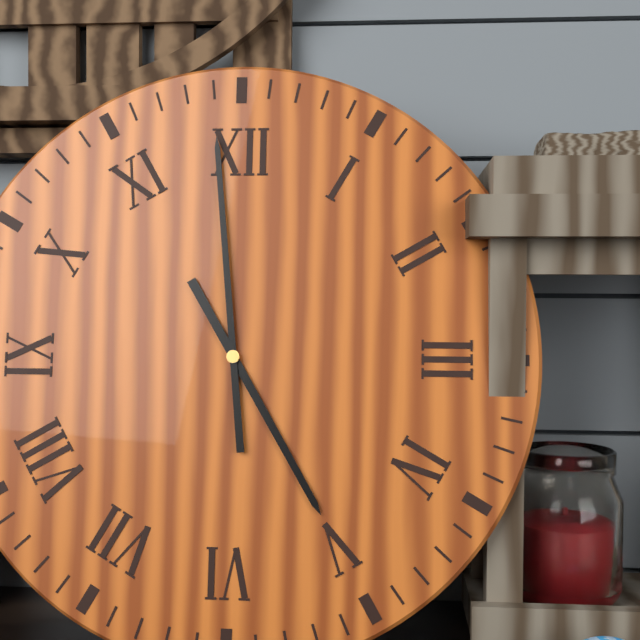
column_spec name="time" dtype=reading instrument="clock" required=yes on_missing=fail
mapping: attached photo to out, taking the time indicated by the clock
4:59
